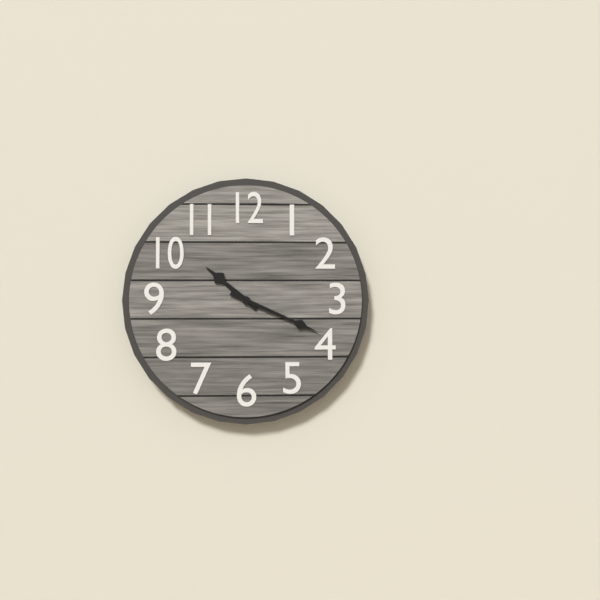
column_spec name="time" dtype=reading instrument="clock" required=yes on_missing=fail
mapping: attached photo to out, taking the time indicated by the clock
10:19
